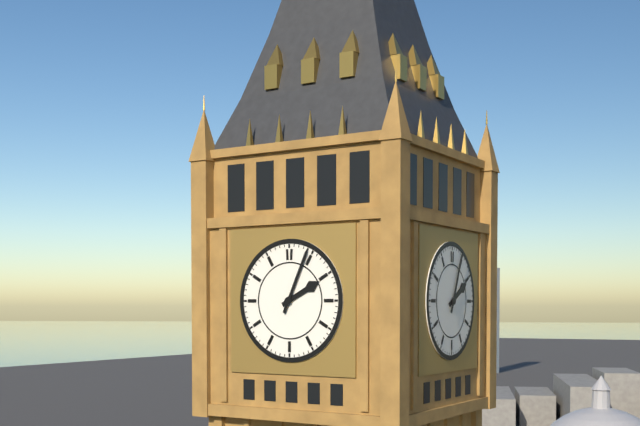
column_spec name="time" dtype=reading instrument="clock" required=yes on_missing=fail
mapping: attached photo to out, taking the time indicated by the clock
2:04
